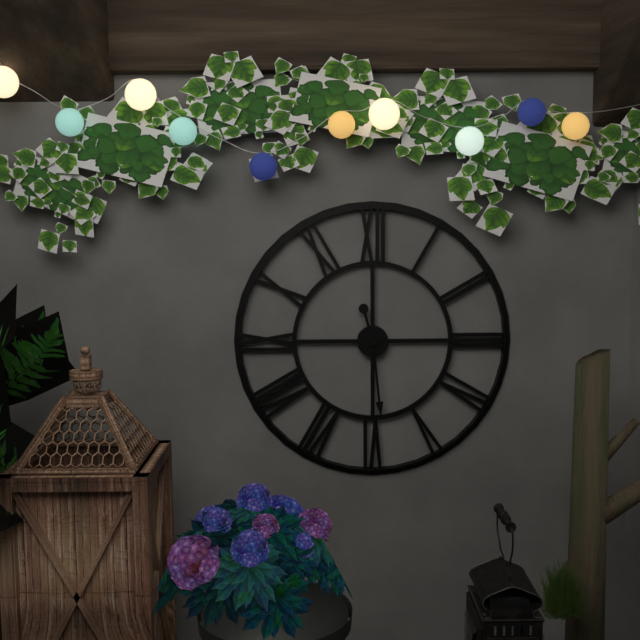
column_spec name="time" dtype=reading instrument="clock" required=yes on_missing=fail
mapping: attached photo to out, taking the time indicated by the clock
11:29
